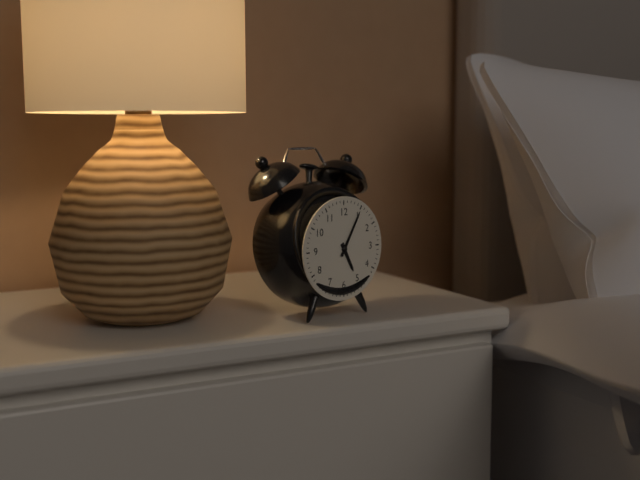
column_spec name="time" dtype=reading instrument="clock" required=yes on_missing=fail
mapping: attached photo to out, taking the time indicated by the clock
5:05
